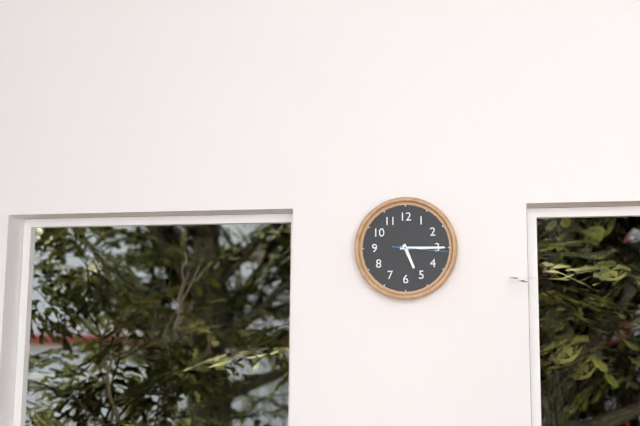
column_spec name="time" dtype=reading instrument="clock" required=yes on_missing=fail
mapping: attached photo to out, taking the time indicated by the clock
5:15:16
